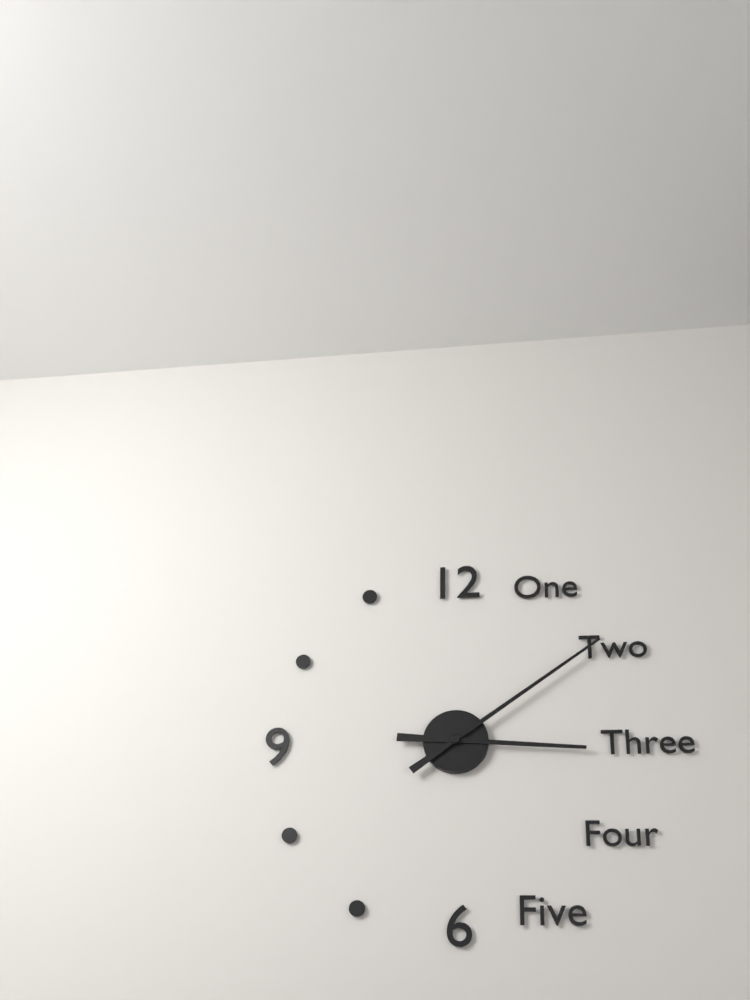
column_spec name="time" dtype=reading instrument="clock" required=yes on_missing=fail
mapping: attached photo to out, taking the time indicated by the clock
3:09
